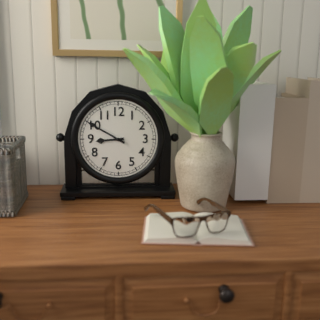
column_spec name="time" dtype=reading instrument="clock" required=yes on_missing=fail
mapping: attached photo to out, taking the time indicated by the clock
8:50
